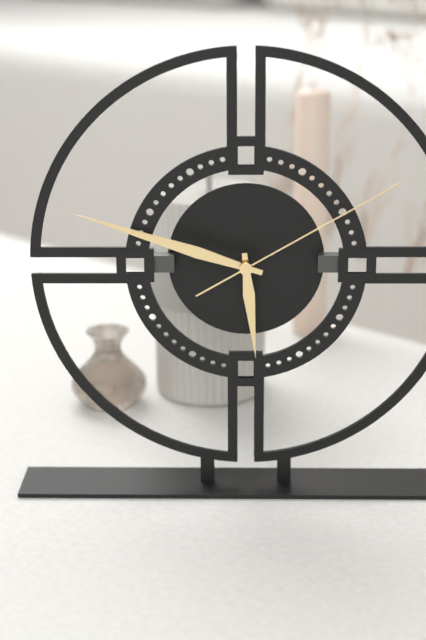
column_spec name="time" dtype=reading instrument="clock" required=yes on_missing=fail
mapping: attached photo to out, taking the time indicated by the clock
5:48:10
